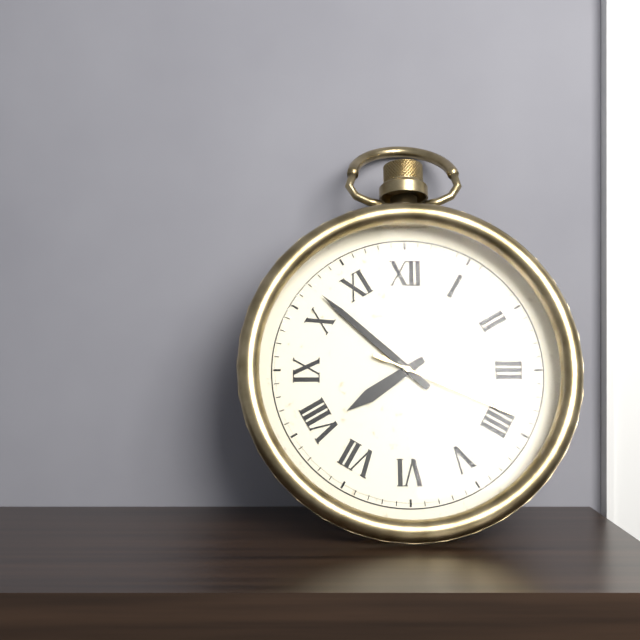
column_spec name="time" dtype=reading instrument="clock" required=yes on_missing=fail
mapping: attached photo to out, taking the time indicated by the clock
7:52:19
